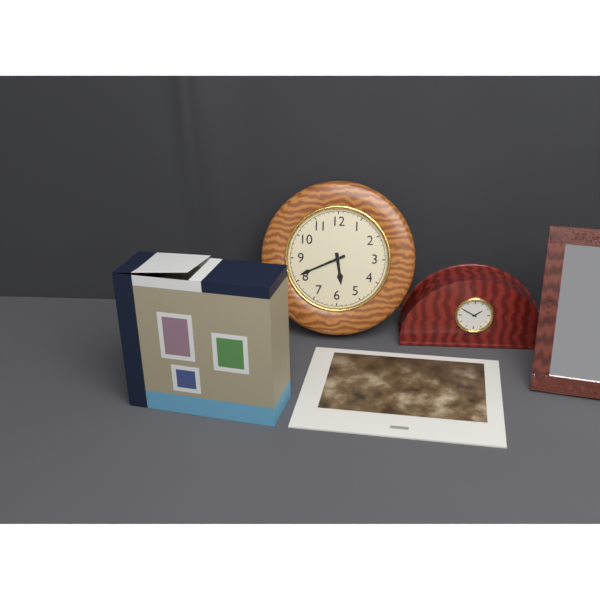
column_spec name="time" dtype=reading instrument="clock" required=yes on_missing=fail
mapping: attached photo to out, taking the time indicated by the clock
5:41
